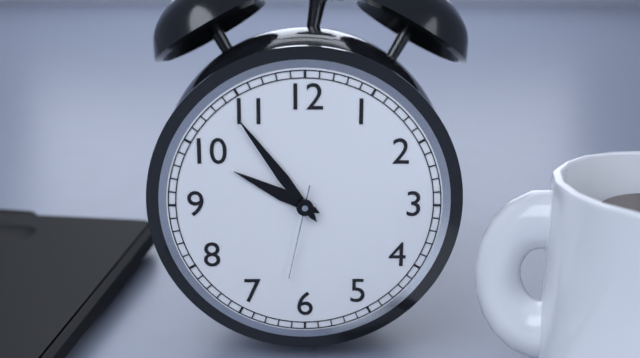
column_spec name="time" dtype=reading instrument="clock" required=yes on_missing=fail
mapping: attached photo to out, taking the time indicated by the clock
9:54:32
